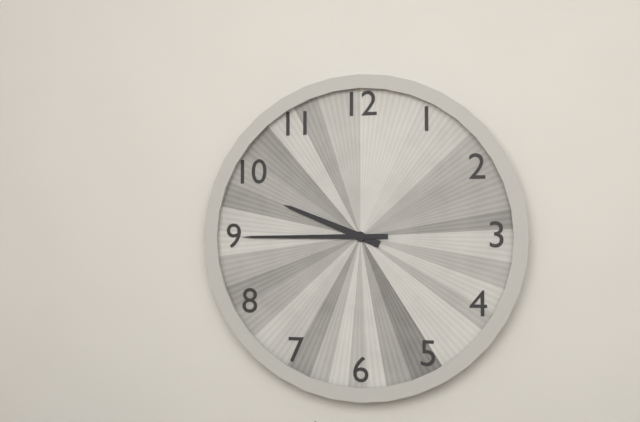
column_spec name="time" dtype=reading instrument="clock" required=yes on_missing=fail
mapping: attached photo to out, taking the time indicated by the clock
9:45
